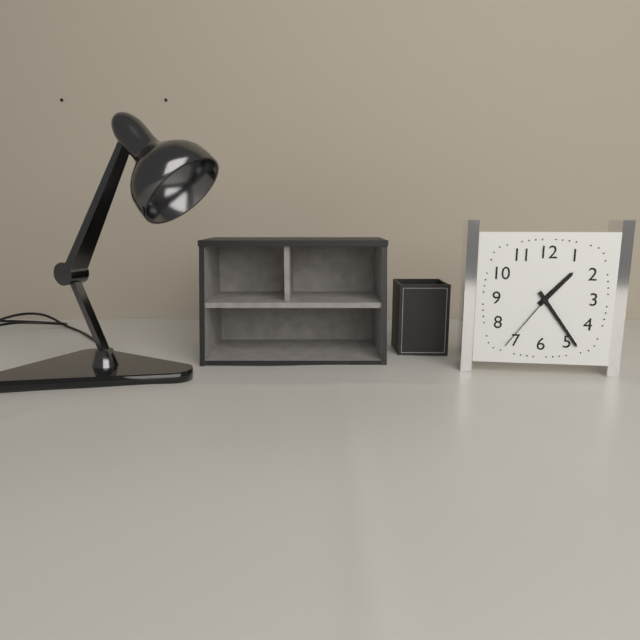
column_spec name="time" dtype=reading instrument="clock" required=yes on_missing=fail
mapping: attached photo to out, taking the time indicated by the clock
1:24:36
